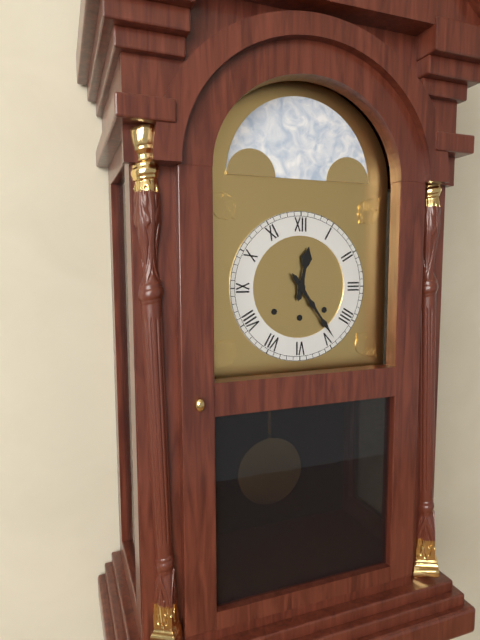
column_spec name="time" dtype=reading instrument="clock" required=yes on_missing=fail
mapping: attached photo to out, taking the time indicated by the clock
12:24
